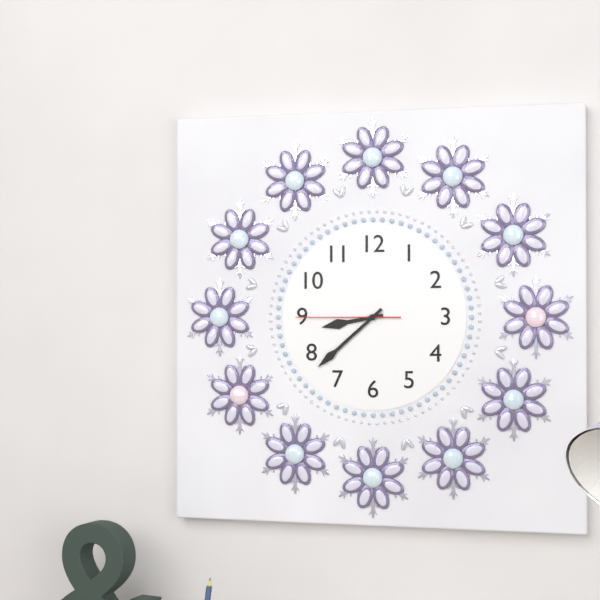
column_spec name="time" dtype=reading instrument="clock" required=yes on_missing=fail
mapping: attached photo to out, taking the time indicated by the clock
8:38:45
